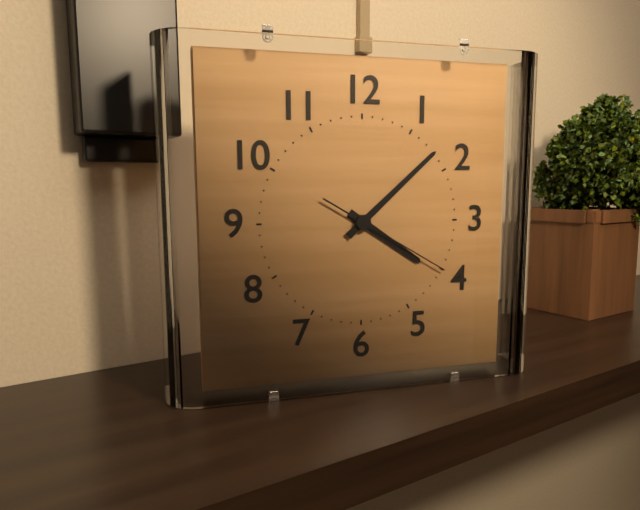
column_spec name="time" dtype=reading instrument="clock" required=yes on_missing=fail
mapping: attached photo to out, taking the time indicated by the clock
4:08:20
